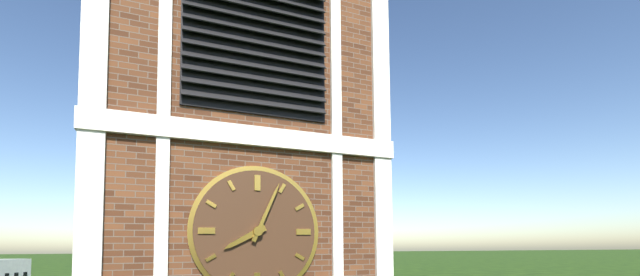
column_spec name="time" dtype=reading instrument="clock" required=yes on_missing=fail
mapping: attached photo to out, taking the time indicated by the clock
8:04
